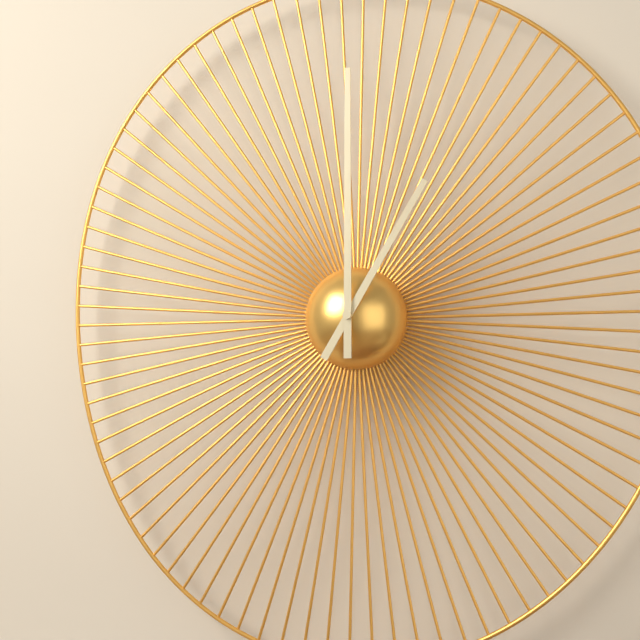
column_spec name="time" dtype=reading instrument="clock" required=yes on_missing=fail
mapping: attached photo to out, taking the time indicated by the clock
1:00
